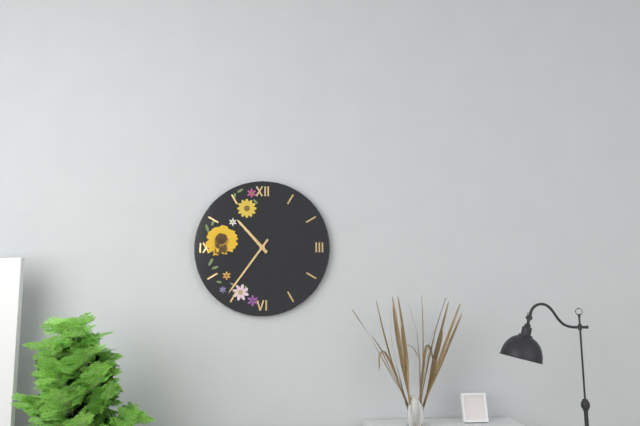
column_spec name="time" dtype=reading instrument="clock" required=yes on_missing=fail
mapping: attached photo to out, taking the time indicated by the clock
10:36
